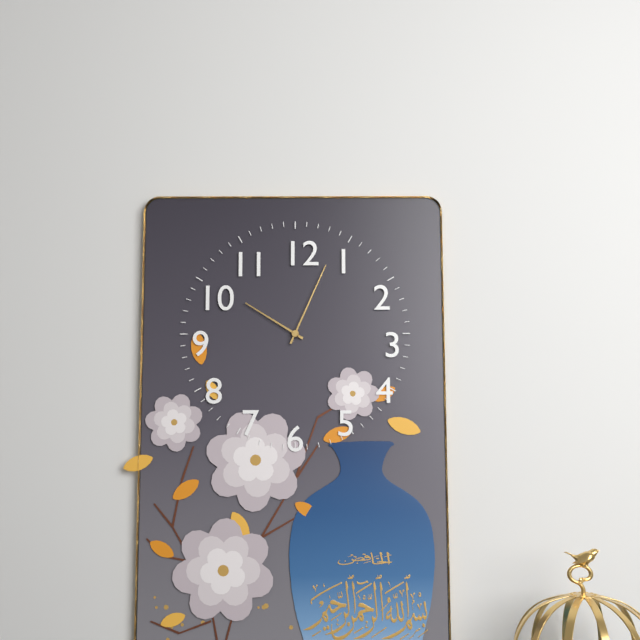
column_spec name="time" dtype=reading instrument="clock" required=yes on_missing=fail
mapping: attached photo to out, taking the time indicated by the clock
10:04
